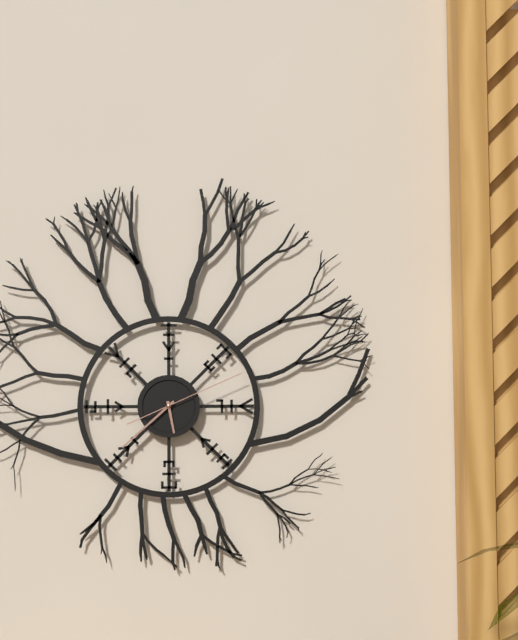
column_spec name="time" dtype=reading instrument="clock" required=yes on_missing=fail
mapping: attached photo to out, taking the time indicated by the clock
5:38:11
